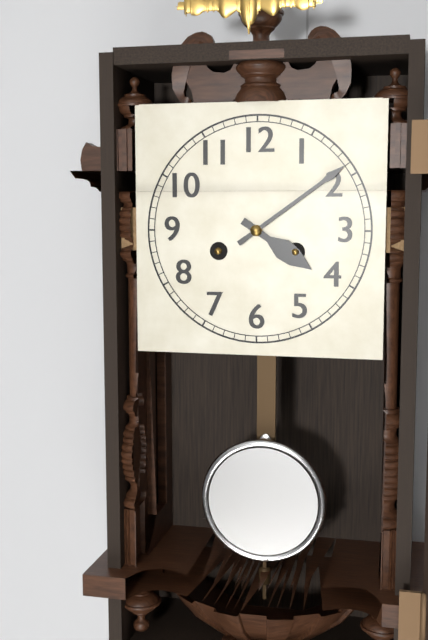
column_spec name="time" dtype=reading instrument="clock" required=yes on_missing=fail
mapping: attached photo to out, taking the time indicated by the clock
4:09
